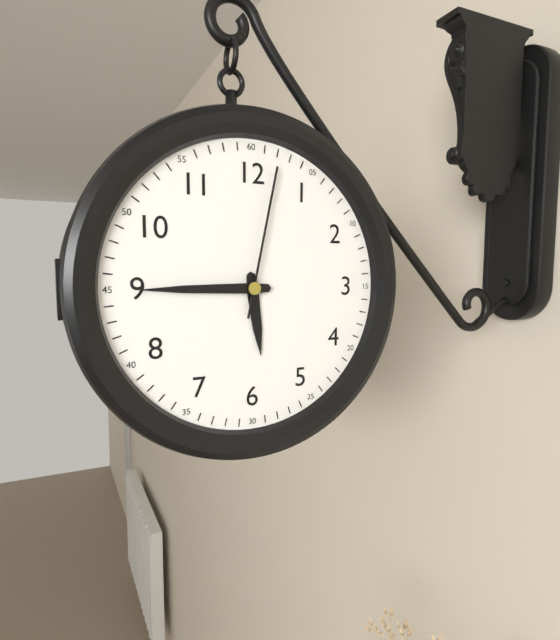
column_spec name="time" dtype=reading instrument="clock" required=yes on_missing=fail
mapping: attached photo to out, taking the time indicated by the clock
5:45:02
